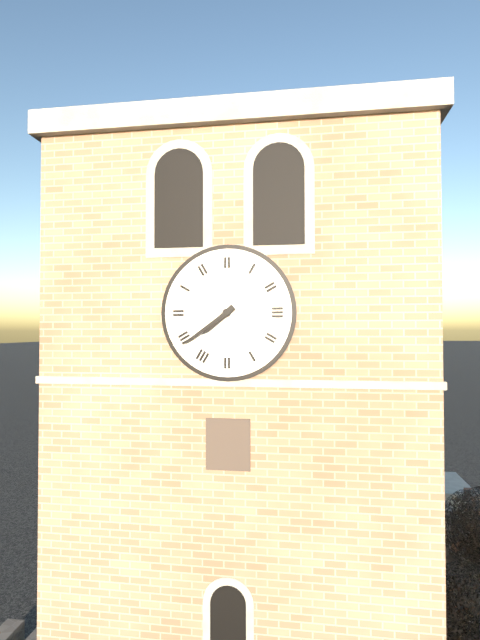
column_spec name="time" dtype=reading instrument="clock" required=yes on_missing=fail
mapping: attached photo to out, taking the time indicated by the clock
7:39
